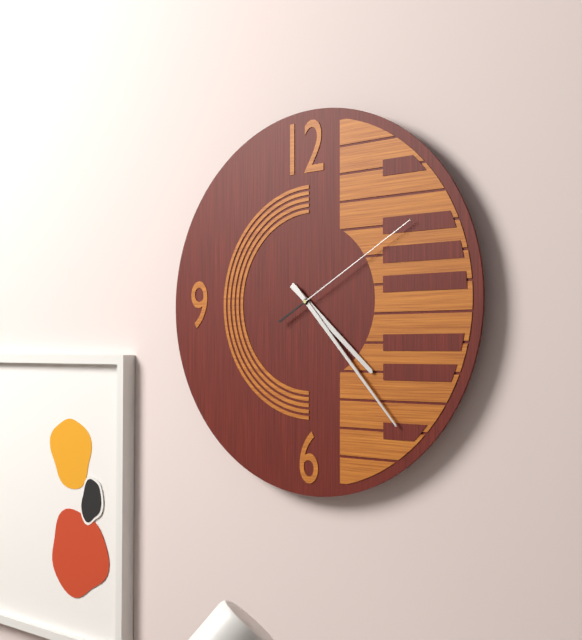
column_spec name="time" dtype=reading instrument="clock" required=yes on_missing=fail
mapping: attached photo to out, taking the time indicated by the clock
4:23:10
